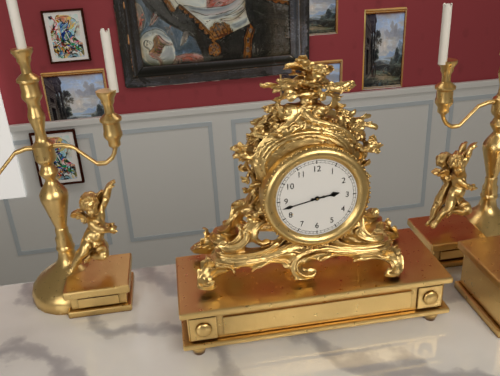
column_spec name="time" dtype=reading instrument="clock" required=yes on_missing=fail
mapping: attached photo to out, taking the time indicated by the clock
2:43
